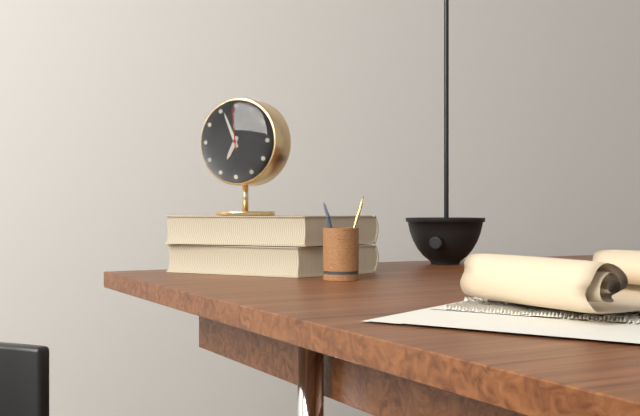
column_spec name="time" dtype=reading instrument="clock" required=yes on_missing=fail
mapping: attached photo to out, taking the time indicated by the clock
6:56
